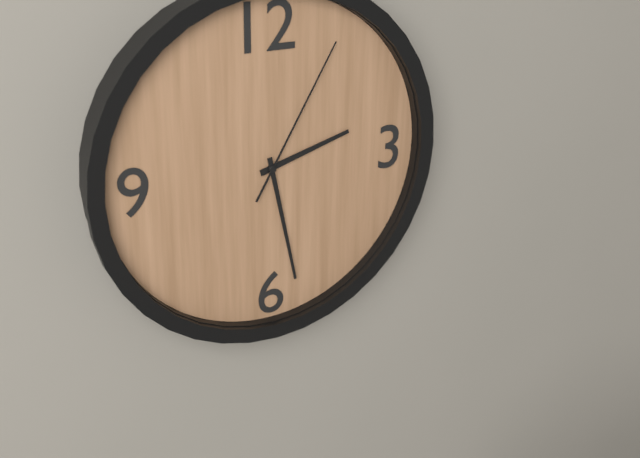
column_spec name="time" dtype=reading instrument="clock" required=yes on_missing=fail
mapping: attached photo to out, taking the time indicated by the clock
2:28:05
